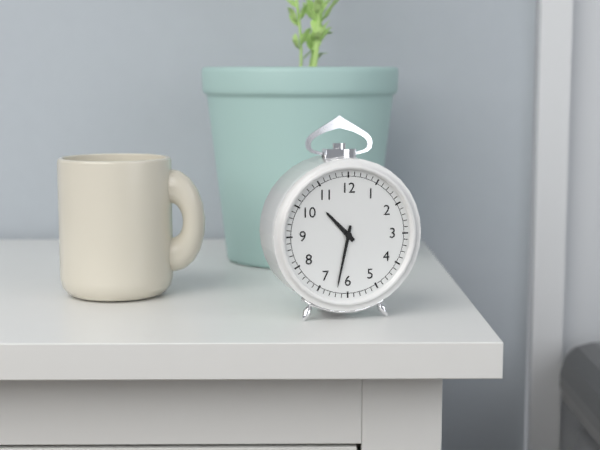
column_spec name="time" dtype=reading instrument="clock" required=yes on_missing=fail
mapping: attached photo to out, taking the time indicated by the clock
10:32
